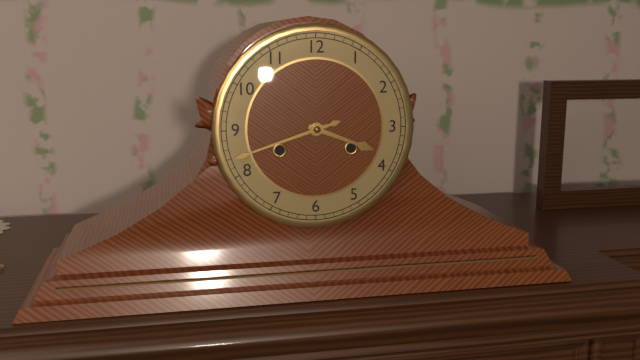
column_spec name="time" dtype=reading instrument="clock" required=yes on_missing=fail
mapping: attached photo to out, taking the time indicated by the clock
3:42
